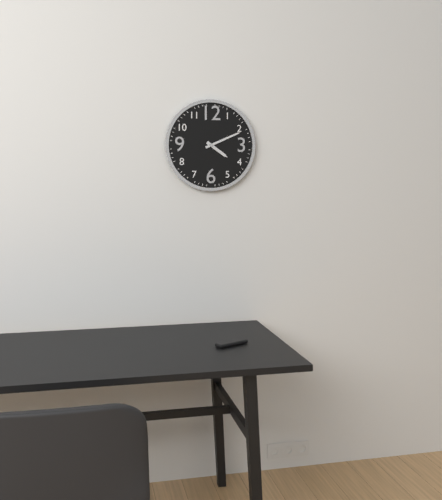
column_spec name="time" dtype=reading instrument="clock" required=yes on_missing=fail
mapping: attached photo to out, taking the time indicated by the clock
4:11
